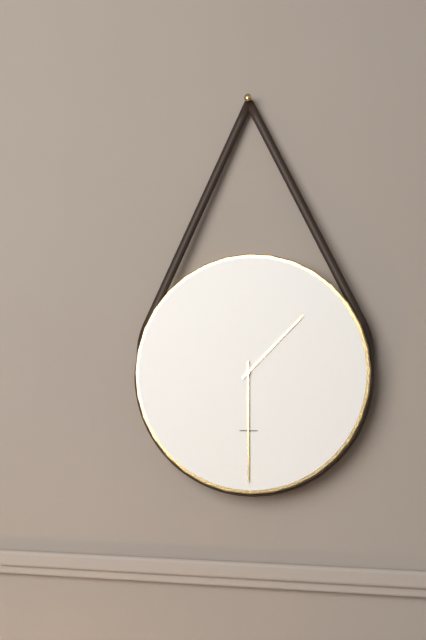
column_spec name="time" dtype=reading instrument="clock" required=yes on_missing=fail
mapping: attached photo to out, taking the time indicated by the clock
1:30
